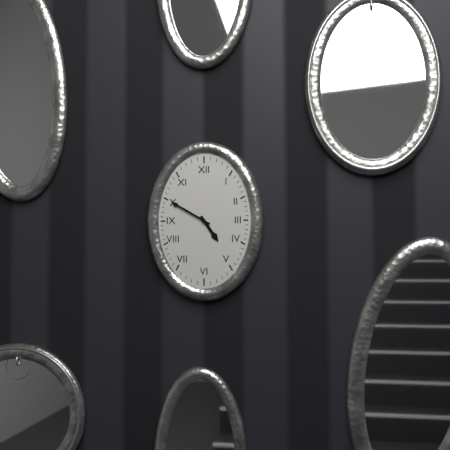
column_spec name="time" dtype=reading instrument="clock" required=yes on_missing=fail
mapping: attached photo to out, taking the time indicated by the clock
4:50
